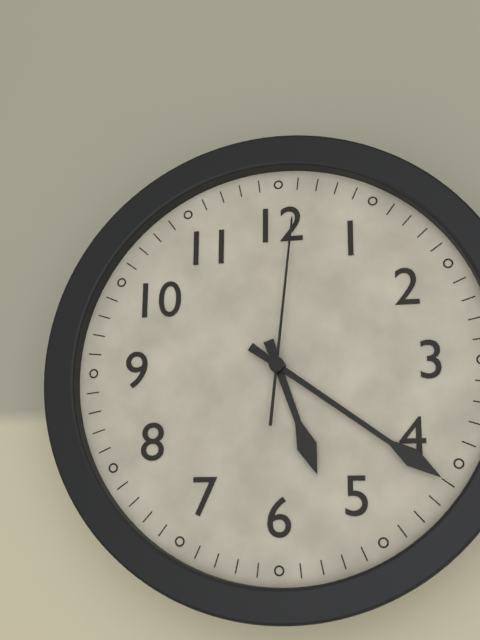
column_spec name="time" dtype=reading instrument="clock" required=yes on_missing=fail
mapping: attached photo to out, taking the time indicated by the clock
5:21:01
